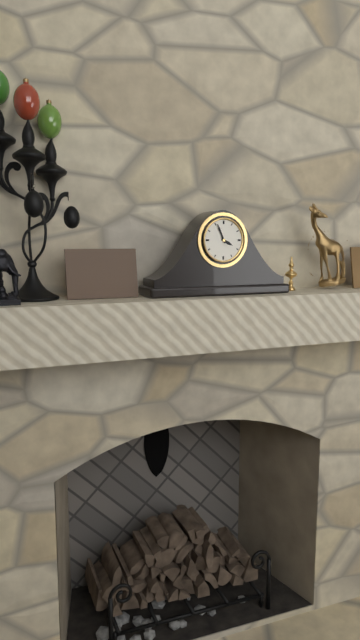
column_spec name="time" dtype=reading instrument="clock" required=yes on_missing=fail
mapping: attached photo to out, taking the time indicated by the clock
3:56
